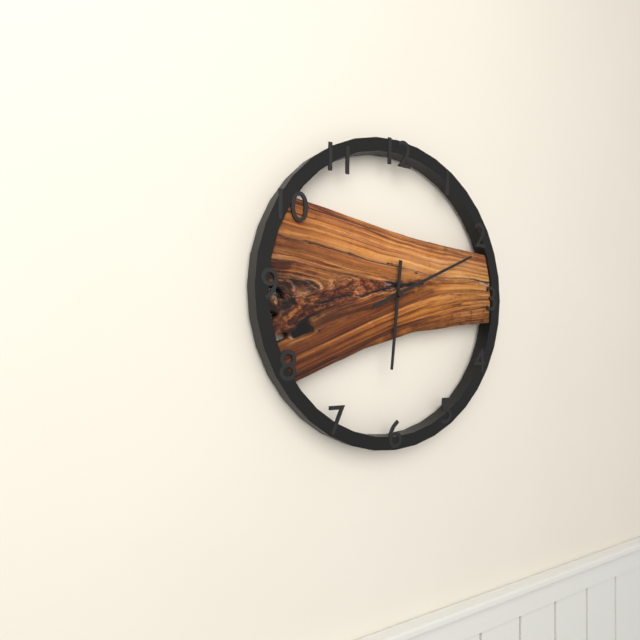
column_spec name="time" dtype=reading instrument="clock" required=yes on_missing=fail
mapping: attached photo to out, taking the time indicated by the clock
6:11
